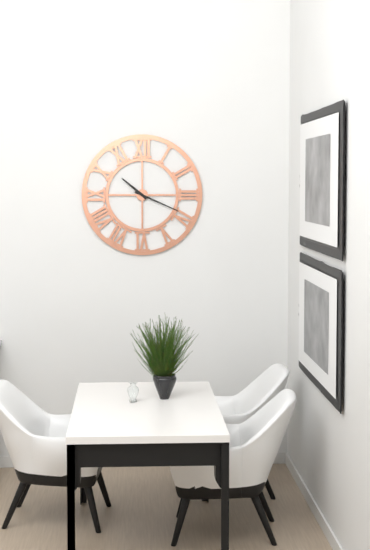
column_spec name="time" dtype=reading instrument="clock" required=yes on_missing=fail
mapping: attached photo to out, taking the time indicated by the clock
10:19
